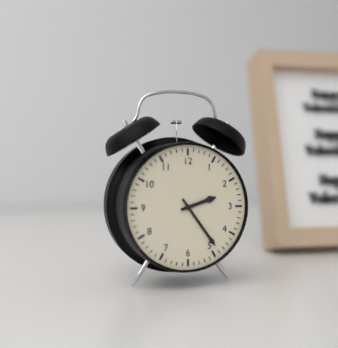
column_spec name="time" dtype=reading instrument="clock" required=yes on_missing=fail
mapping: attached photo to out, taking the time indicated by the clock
2:24
